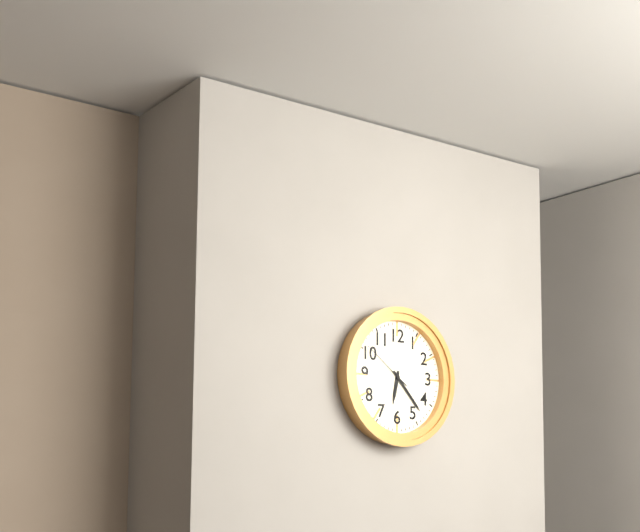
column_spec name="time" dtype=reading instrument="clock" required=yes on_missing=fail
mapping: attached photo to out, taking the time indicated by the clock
6:23:51
